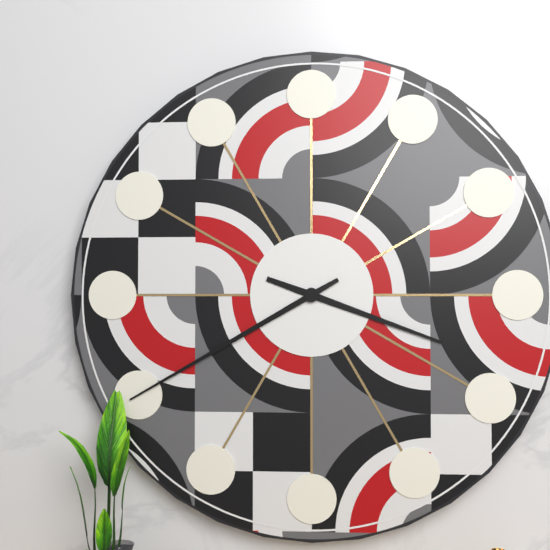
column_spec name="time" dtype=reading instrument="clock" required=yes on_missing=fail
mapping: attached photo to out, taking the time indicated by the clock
3:40
